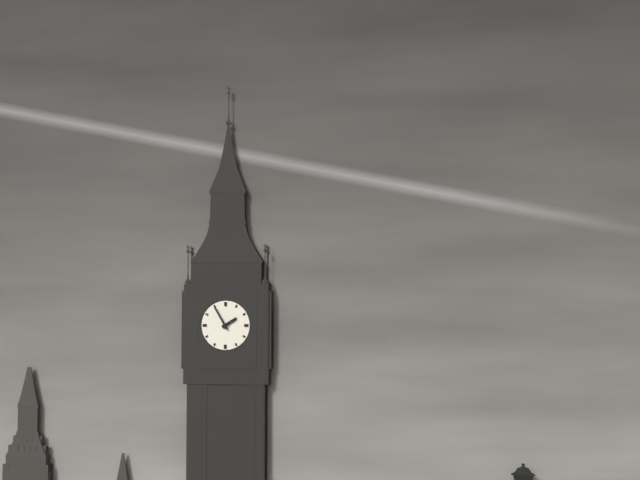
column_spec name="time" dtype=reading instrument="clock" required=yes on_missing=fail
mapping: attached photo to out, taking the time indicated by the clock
1:55
